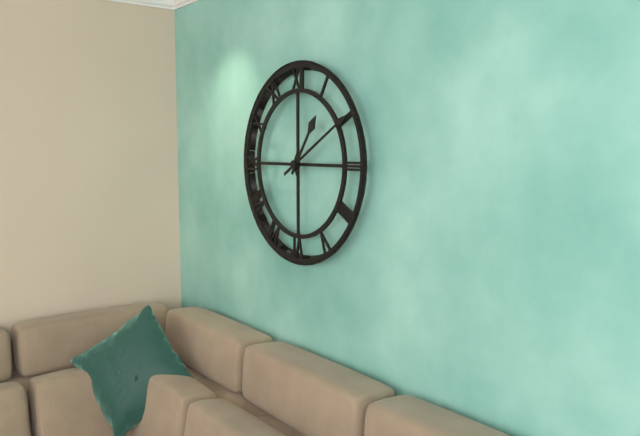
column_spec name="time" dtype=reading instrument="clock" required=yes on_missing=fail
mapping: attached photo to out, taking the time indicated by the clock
1:10
